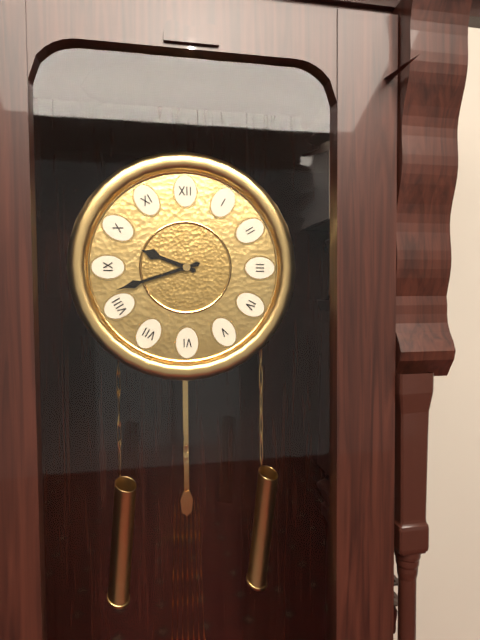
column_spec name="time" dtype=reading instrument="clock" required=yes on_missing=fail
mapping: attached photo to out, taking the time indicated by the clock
9:42
